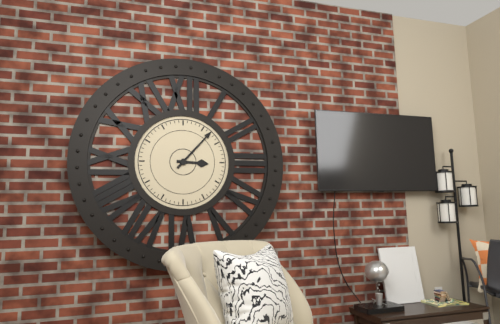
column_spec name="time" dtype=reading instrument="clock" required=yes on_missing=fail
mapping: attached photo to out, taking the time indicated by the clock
3:07
